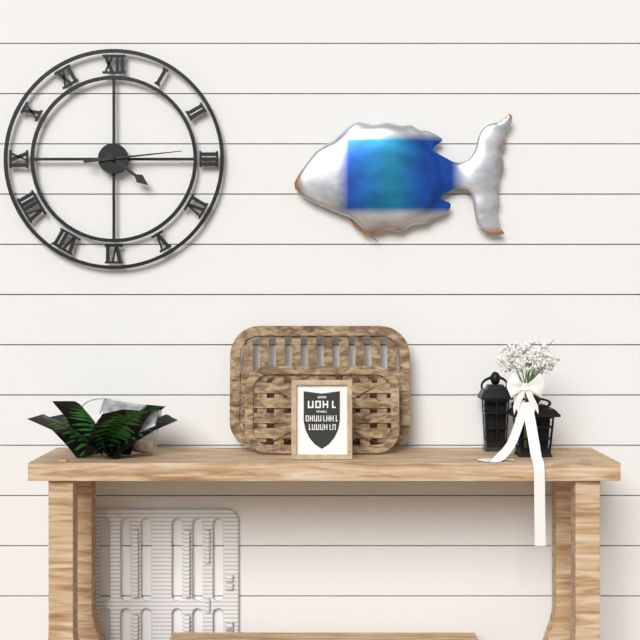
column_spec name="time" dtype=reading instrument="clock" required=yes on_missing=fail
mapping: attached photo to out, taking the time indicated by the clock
4:14
